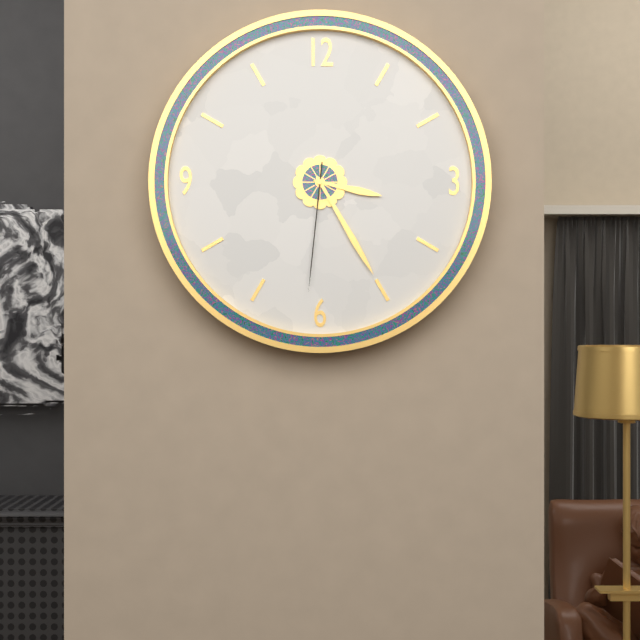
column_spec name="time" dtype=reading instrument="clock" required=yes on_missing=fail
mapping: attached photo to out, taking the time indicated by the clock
3:25:31
